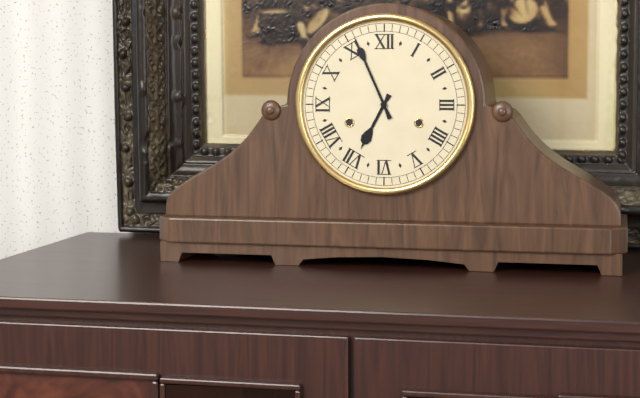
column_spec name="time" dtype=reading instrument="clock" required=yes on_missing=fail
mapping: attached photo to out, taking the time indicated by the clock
6:56
